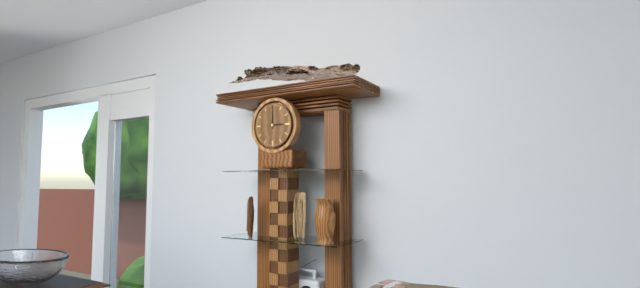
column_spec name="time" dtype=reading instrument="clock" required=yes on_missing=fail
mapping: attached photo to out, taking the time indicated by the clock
3:00
